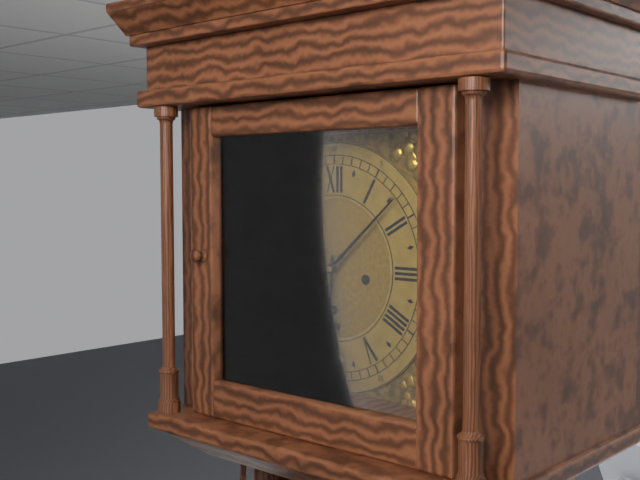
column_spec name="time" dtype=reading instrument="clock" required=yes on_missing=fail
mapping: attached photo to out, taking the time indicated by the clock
6:08
